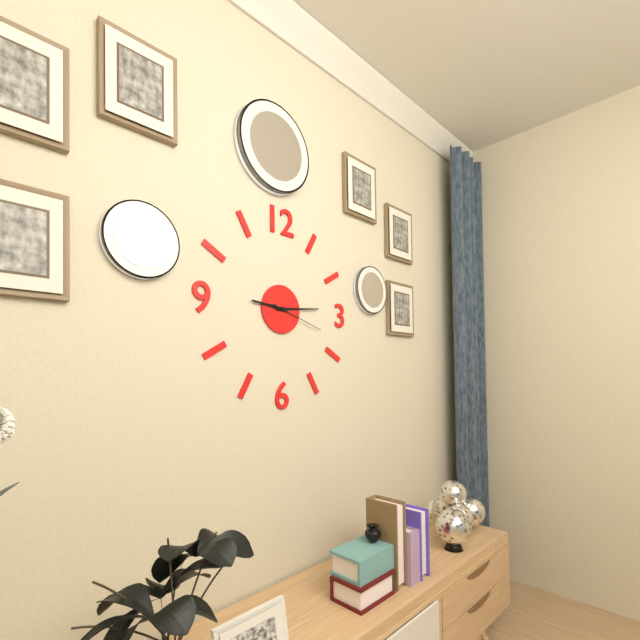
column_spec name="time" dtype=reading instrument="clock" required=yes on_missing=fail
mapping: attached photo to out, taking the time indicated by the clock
9:14:18
